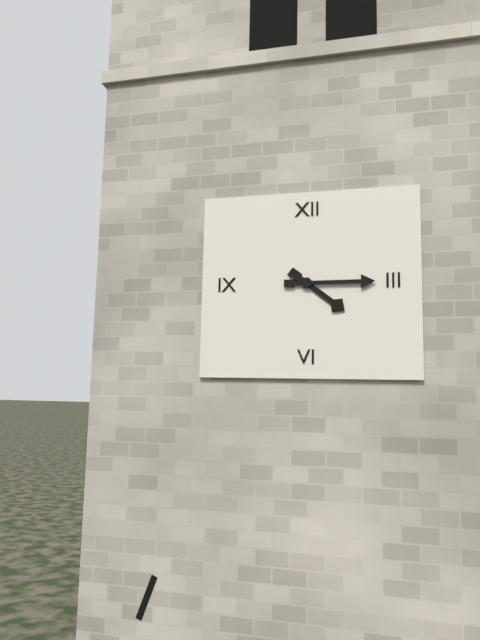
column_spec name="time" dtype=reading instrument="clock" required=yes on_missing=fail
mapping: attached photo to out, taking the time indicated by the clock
4:15
